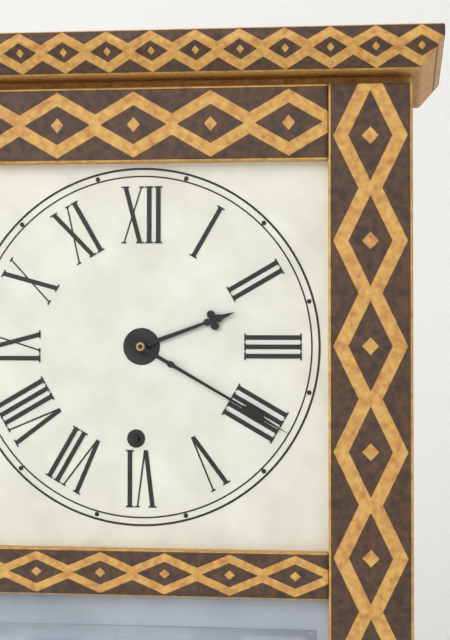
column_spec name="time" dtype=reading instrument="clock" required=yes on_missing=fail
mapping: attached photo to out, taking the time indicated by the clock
2:20
